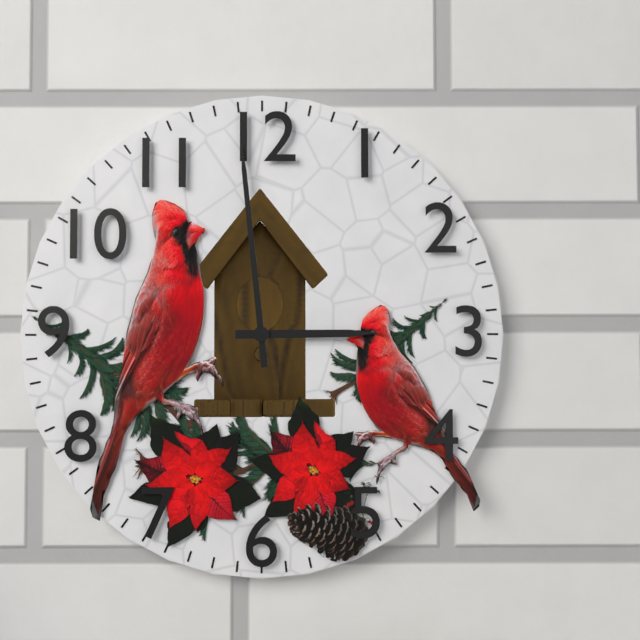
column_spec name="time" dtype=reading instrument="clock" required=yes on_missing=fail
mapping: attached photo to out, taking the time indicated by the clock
2:59
